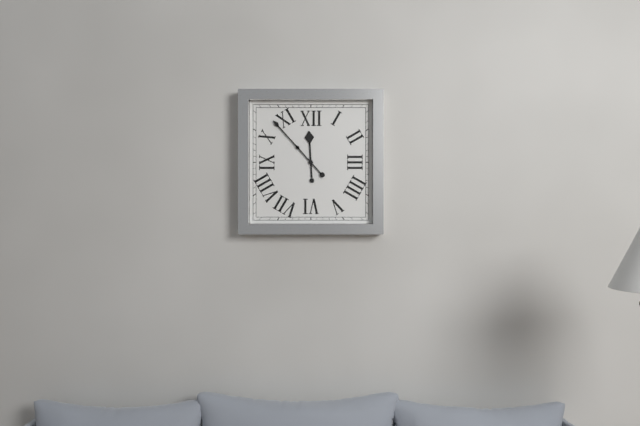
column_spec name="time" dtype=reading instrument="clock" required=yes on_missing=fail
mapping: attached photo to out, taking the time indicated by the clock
11:53
